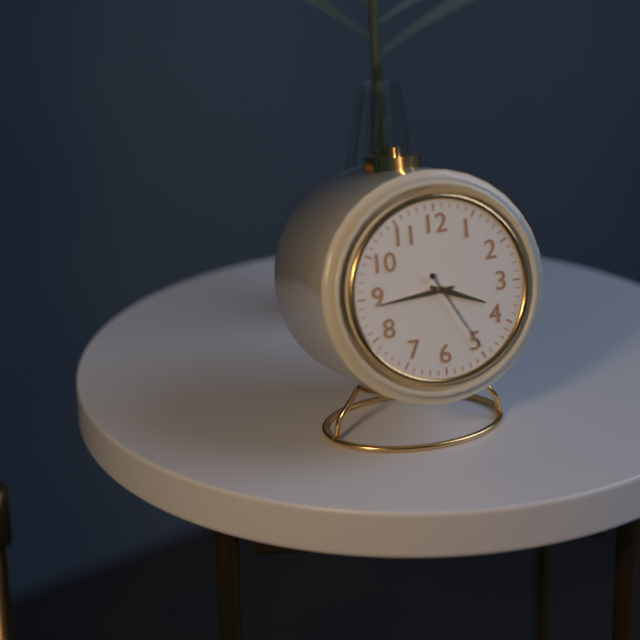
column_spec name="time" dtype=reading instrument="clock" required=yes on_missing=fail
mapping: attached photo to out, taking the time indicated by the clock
3:44:25
